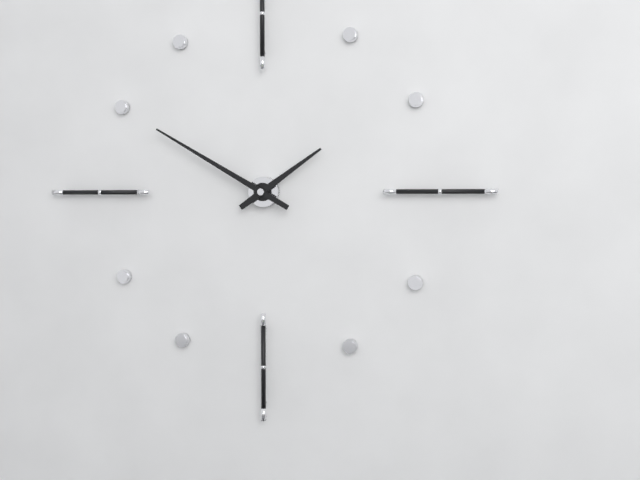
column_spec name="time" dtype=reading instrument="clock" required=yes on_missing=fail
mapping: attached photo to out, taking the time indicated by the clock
1:50
